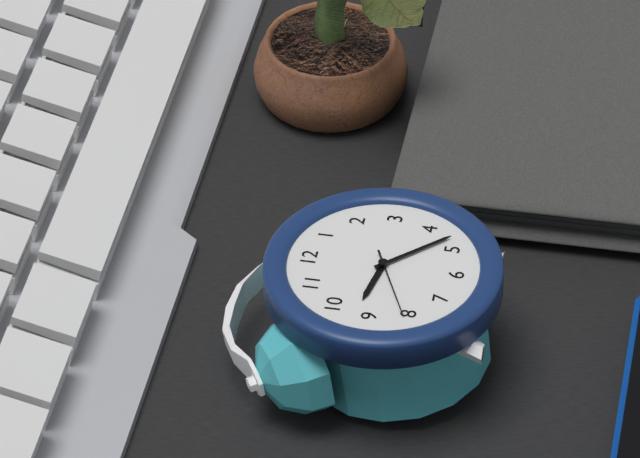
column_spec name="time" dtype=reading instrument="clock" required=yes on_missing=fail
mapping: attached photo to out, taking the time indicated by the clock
9:23:41
